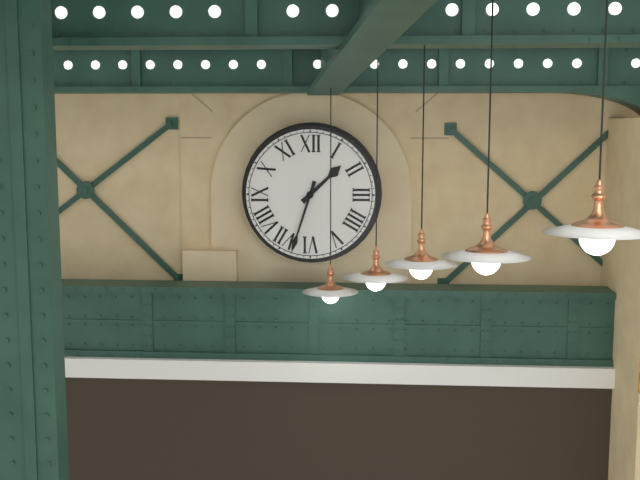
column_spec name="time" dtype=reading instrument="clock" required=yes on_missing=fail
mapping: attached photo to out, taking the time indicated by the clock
1:33
